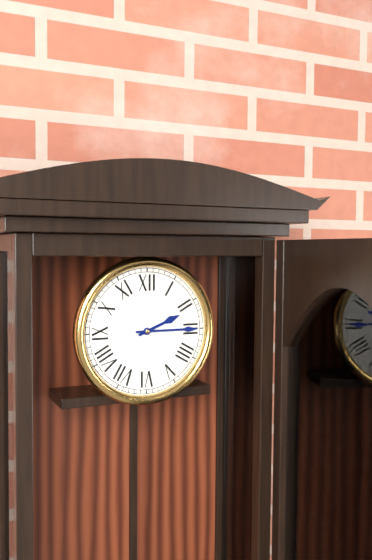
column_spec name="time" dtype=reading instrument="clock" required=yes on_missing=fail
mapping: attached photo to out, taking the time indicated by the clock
2:15
